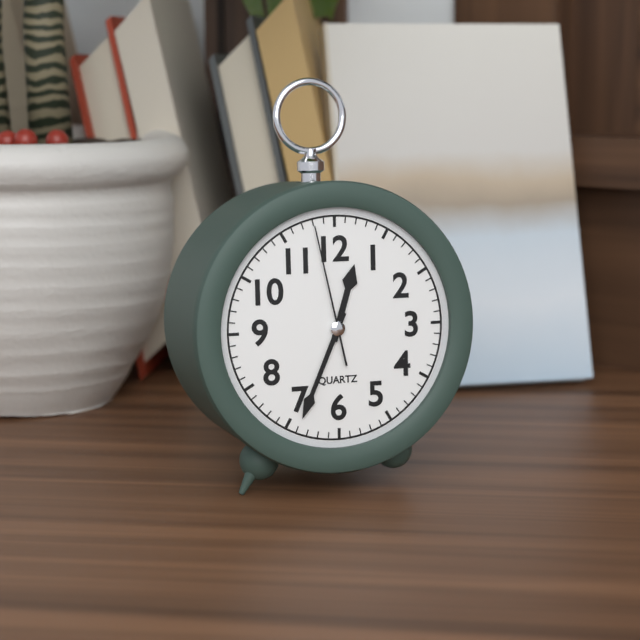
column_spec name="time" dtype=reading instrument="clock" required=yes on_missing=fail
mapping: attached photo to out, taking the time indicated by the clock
12:34:58
